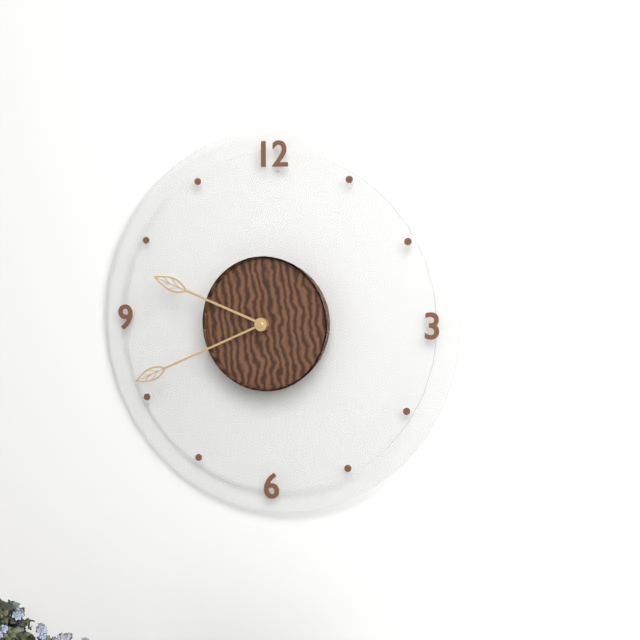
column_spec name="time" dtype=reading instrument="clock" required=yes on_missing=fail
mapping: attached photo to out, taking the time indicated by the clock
9:41
